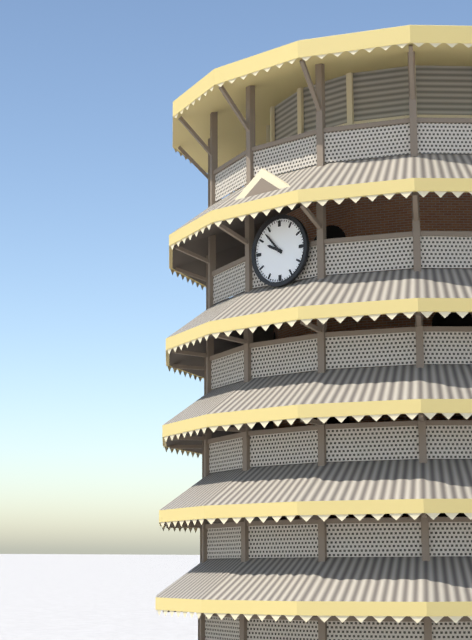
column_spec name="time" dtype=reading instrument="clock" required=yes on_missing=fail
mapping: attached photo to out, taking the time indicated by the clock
9:53
